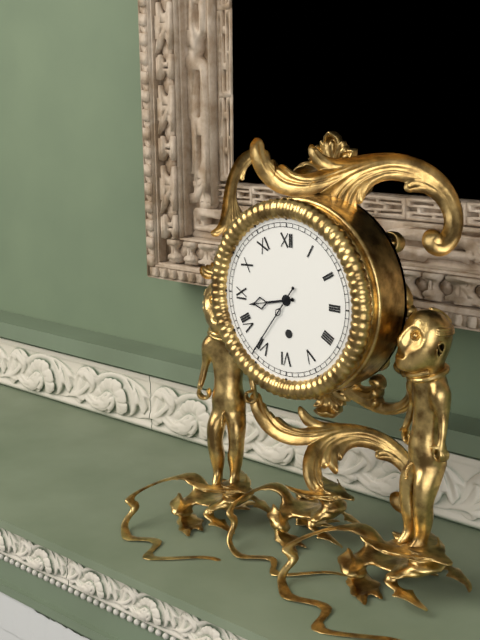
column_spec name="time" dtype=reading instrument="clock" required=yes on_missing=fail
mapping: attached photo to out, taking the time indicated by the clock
8:36
